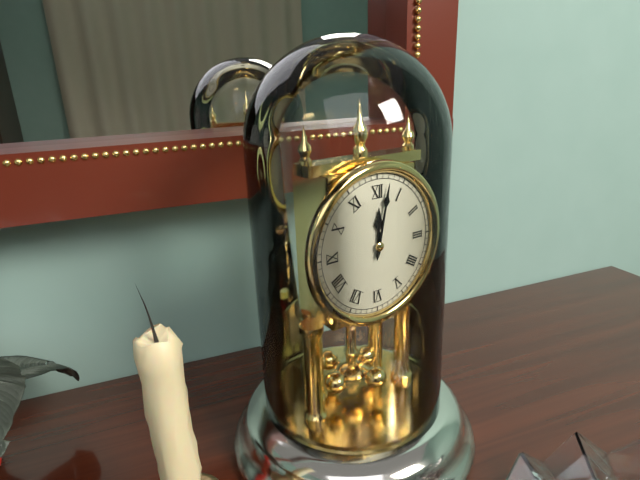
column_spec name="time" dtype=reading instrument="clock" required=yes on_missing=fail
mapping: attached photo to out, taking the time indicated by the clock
12:02
